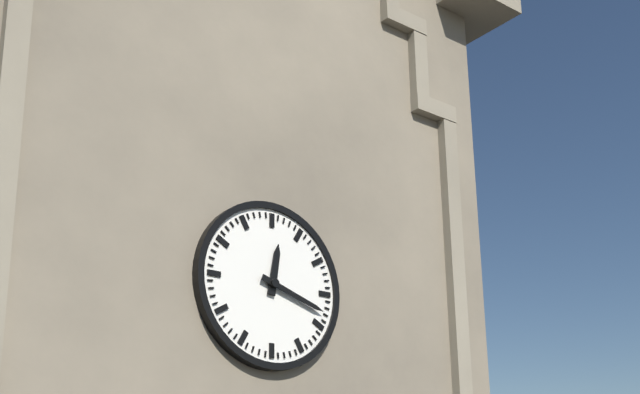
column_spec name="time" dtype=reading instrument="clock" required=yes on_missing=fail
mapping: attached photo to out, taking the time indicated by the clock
12:18
